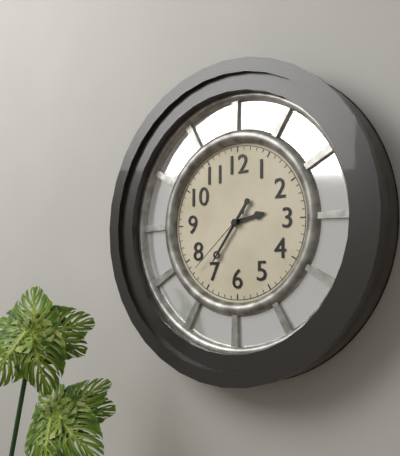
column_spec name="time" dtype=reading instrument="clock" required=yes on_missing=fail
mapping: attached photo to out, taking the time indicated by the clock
2:36:38
